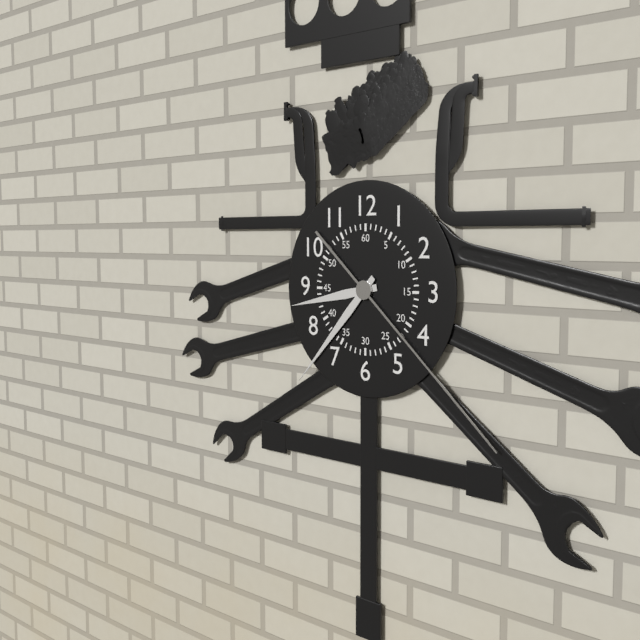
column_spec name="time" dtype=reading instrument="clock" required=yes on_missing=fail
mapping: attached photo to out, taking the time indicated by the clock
8:37:22
